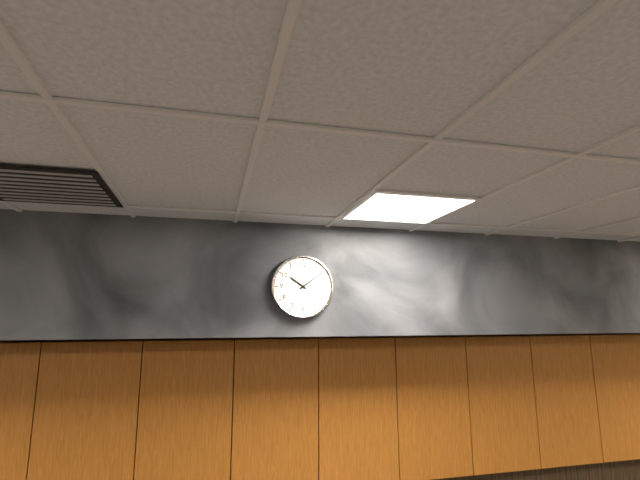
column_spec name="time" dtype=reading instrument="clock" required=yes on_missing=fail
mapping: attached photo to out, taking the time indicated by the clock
10:09
